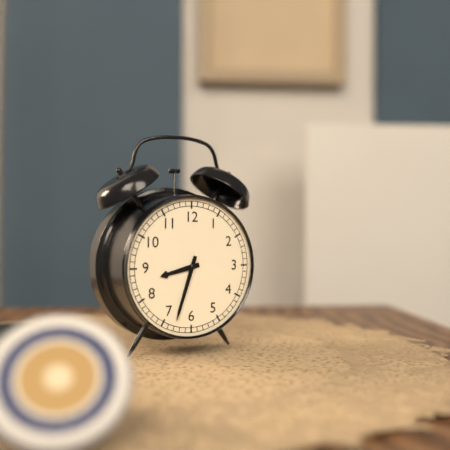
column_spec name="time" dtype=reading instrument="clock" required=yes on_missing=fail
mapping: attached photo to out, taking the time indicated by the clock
8:33
